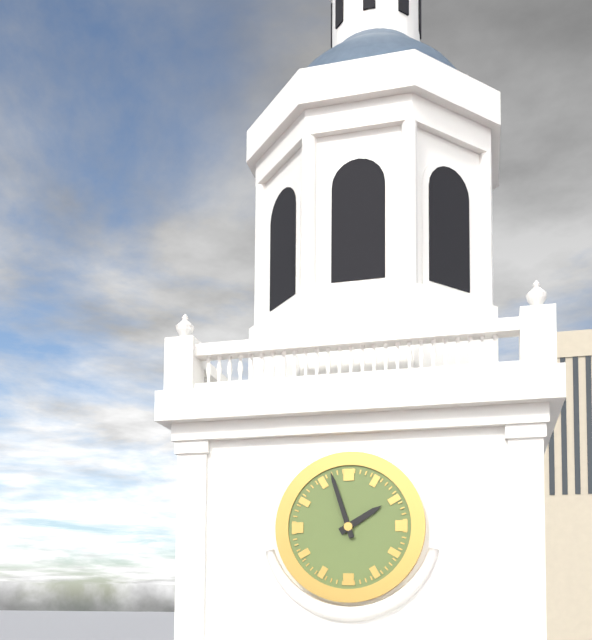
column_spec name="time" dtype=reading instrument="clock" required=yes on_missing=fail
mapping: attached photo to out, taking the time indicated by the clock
1:57
